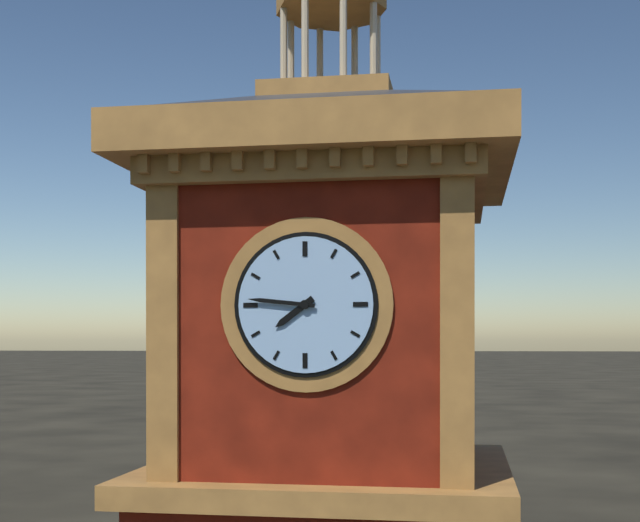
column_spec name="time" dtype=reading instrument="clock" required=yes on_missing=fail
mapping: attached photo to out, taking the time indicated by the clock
7:46
